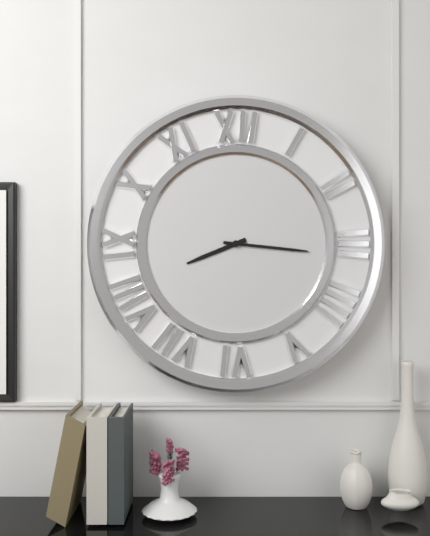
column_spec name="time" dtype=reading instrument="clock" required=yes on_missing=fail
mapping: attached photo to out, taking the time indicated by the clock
8:16
